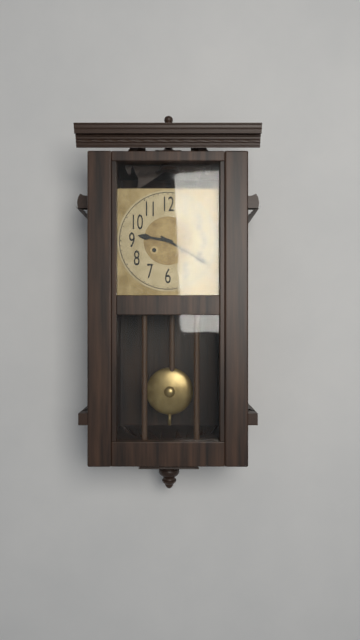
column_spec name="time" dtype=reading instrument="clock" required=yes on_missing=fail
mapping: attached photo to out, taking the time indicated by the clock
9:20
